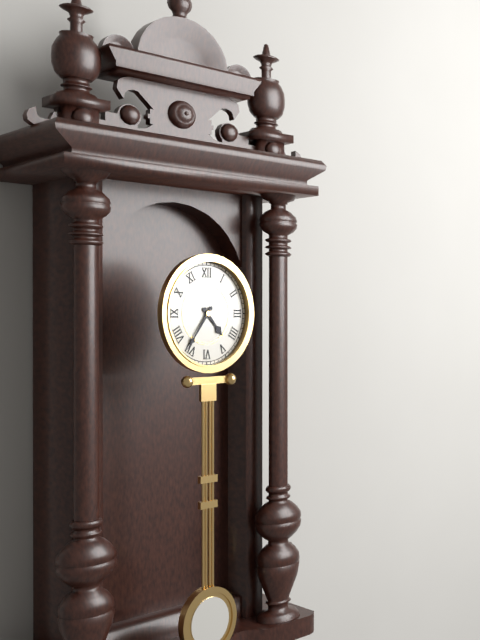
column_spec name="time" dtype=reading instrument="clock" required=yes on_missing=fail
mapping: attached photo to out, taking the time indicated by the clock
4:36
